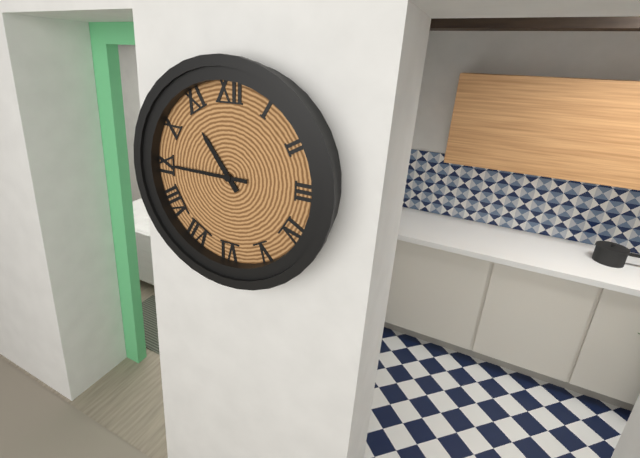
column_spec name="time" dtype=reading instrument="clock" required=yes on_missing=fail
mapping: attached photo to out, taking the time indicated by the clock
10:45
